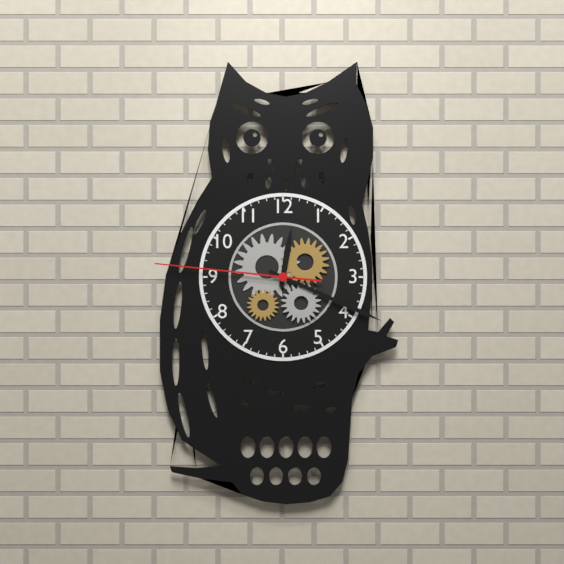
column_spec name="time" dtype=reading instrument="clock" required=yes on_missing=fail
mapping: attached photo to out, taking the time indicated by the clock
12:19:46
